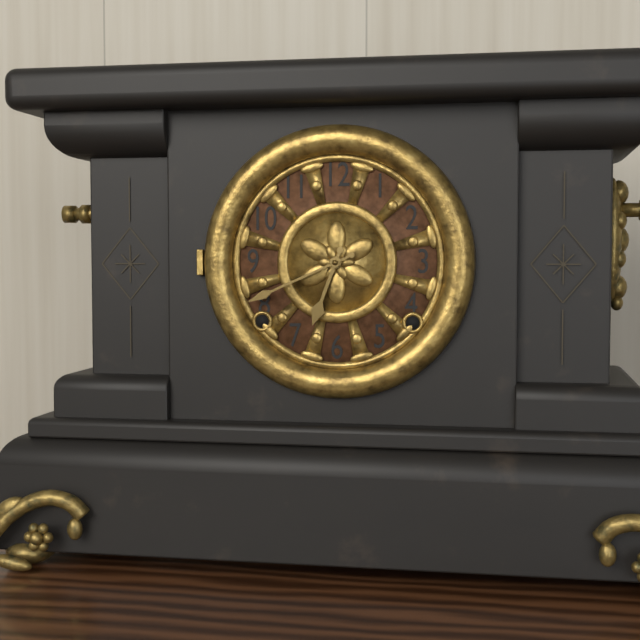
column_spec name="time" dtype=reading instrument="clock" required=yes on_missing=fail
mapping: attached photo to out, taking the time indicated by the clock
6:41
